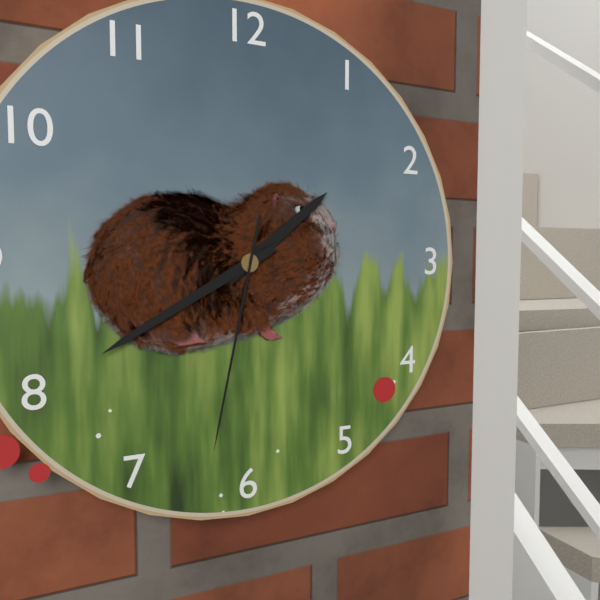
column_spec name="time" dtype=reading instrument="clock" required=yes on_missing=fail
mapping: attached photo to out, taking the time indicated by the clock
1:40:32
